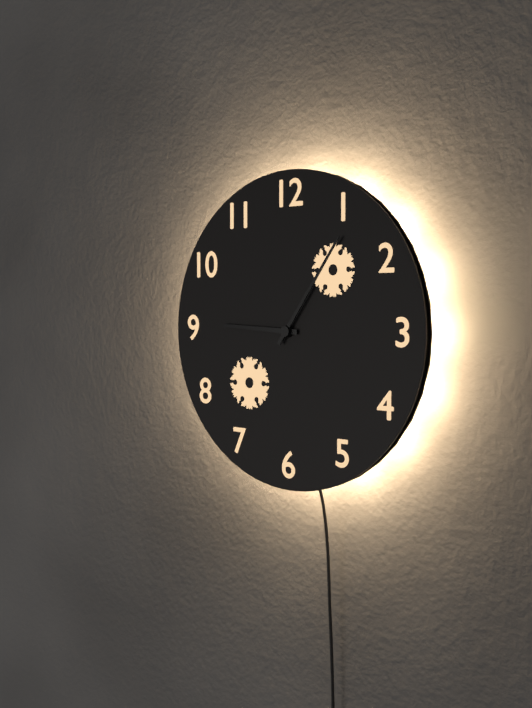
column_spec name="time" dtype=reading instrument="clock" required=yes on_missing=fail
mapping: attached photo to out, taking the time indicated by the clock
9:06
